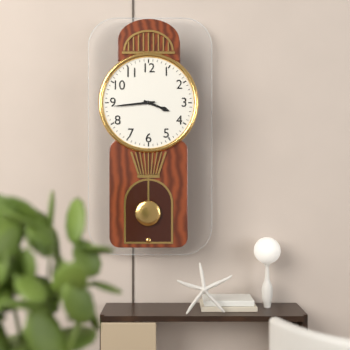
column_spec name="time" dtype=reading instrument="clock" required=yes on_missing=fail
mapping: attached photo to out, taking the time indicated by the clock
3:44
